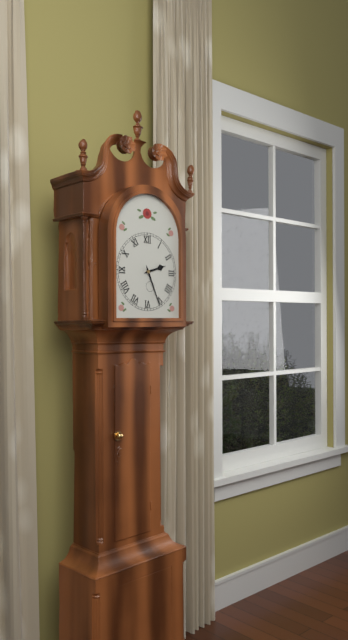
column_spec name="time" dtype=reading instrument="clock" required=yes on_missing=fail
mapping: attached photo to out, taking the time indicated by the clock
2:26
